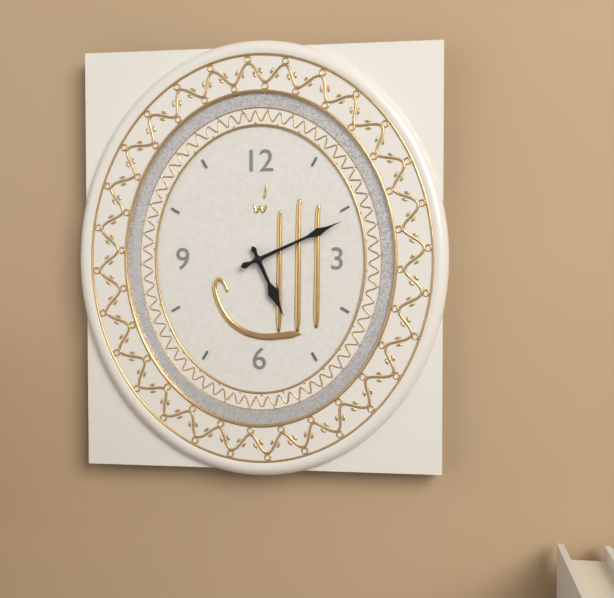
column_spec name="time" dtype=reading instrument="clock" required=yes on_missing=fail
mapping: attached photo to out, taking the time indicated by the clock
5:11
